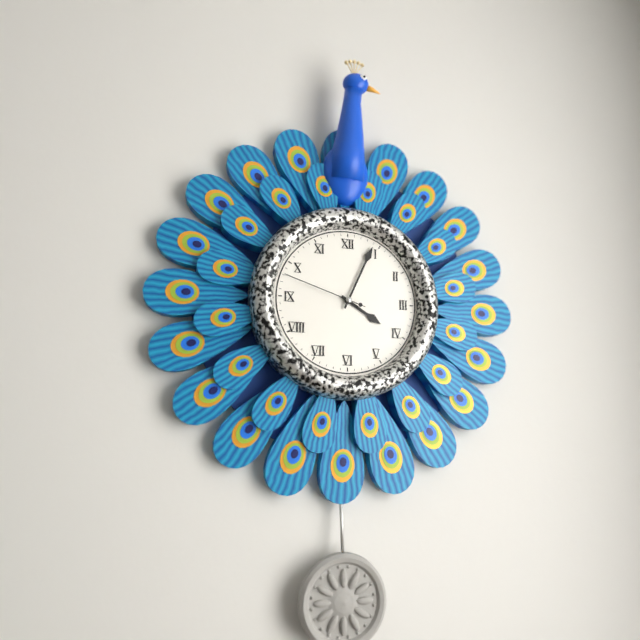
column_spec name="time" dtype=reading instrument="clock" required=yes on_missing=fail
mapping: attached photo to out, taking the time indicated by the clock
4:04:48
